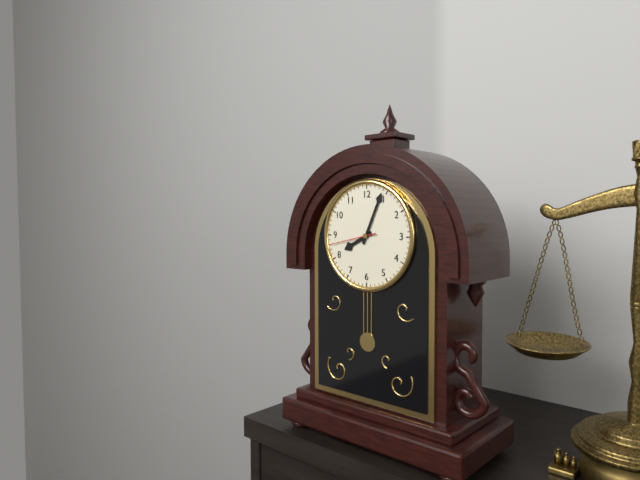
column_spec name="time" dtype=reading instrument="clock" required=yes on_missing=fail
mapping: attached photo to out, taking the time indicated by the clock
8:04
